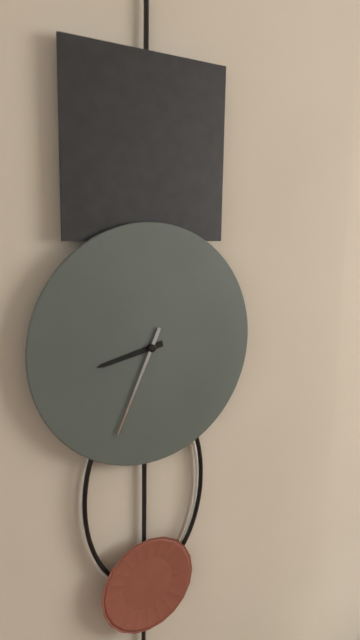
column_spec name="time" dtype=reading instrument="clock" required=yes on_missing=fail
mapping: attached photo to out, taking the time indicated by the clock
8:34
